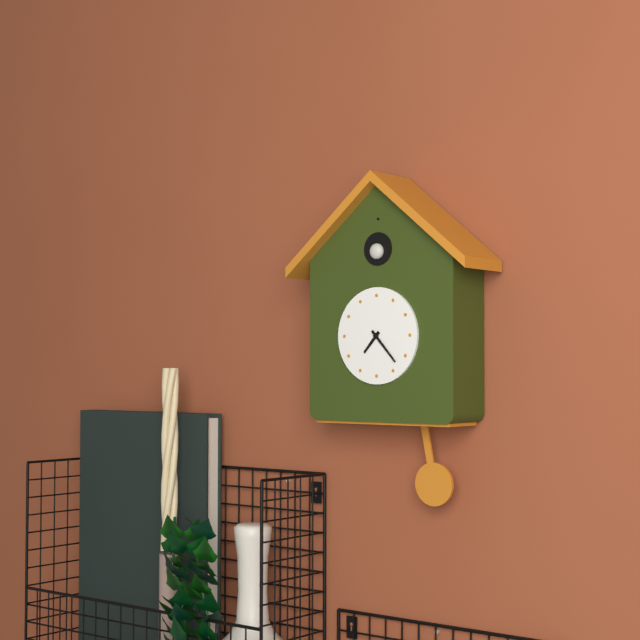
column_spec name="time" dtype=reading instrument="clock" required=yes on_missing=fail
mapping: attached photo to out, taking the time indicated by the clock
7:23
